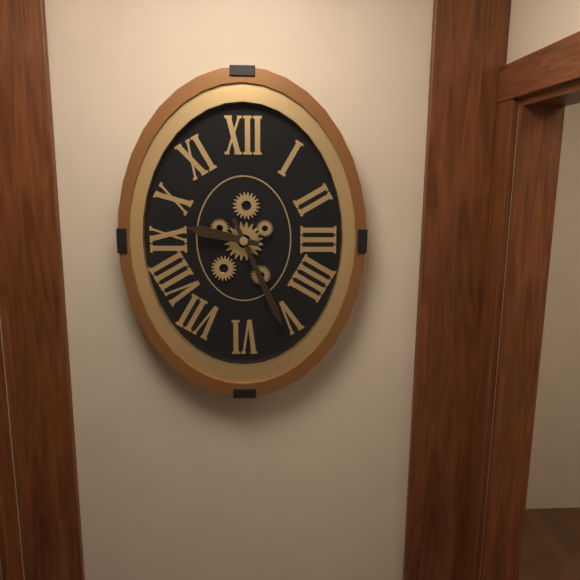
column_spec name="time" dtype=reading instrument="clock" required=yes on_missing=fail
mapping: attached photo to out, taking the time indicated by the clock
9:26
